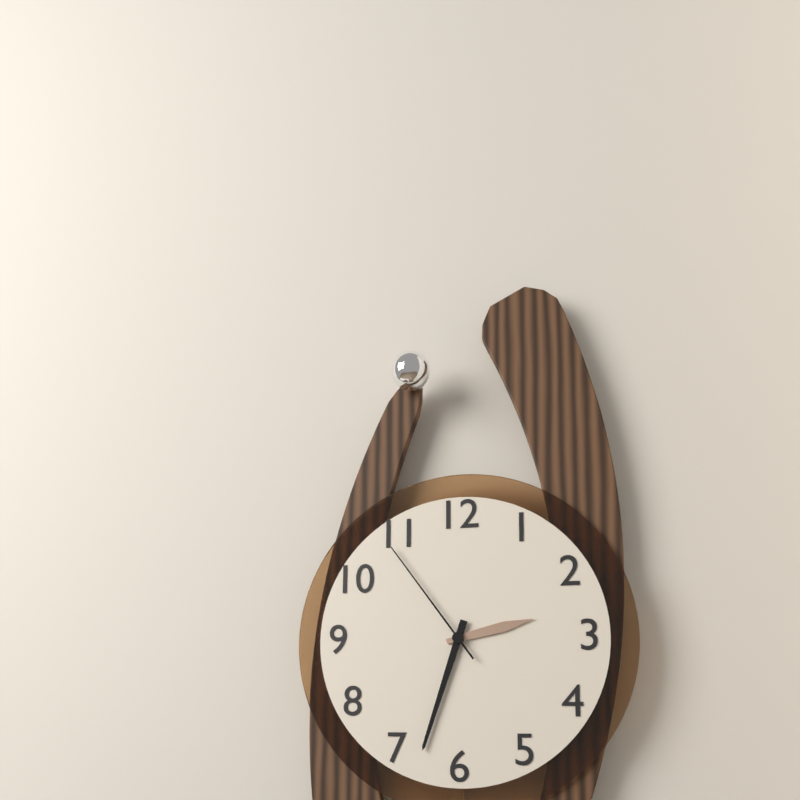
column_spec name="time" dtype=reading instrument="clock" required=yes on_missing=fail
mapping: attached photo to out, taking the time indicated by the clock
2:33:54
